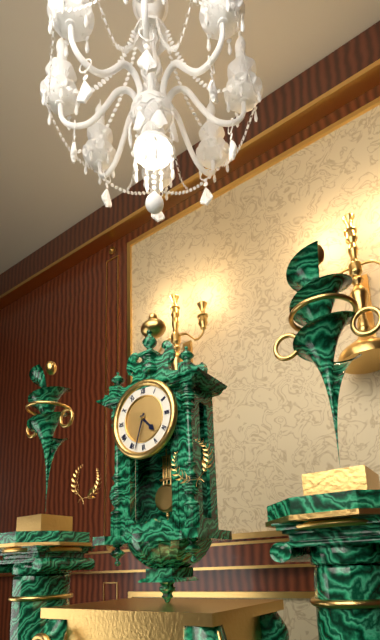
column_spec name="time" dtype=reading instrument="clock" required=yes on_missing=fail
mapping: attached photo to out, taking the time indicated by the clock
4:33
